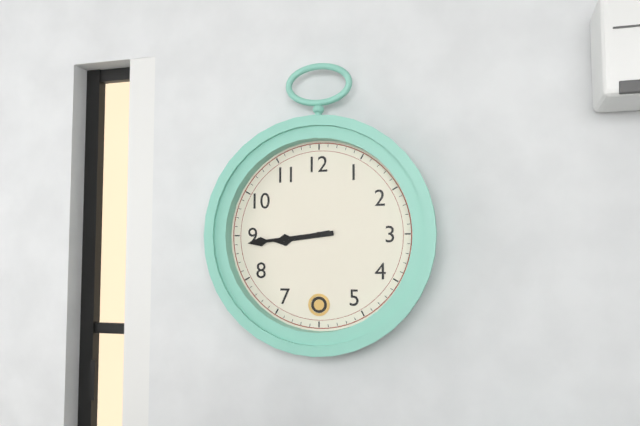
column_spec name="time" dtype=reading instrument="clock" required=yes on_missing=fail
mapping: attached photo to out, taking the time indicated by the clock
8:44
